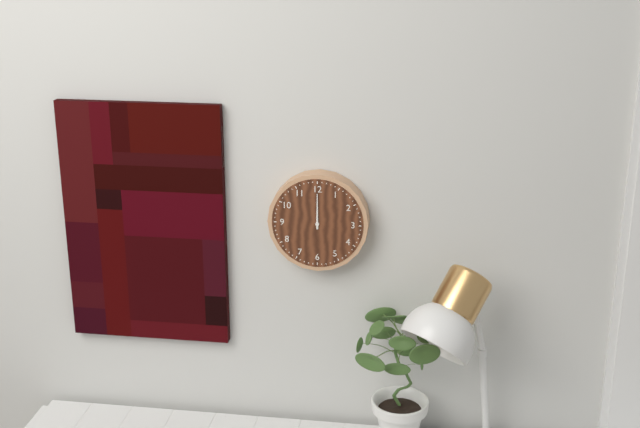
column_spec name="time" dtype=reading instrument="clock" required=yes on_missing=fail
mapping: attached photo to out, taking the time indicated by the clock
12:00
